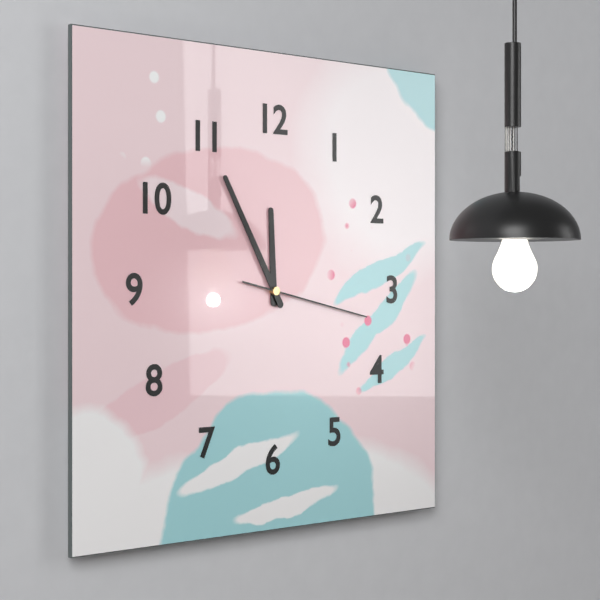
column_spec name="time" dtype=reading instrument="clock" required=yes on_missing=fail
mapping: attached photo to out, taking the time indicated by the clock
11:55:17
